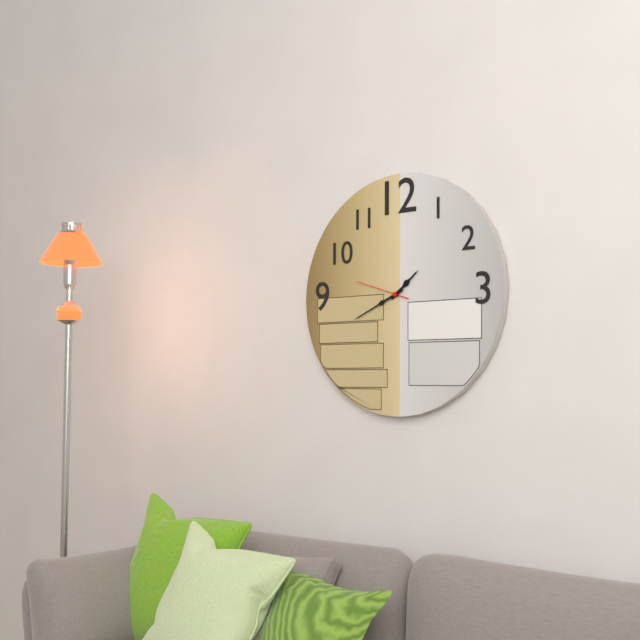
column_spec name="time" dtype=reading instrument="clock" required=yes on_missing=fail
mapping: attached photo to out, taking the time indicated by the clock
1:41:48
